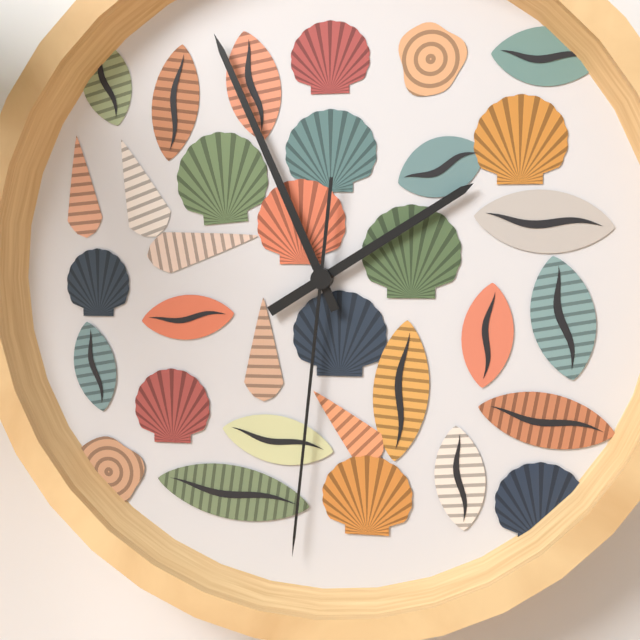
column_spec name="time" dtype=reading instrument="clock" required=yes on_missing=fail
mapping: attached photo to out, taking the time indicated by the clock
1:56:31
